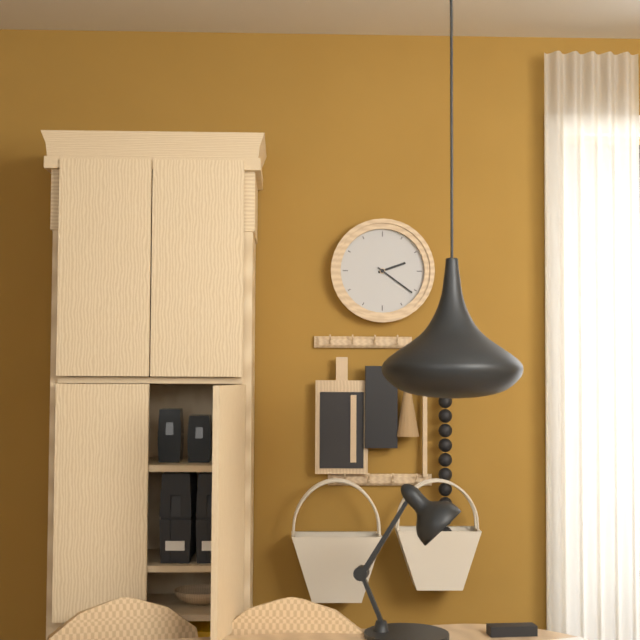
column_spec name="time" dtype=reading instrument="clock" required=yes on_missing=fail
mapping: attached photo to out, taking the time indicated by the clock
2:21
